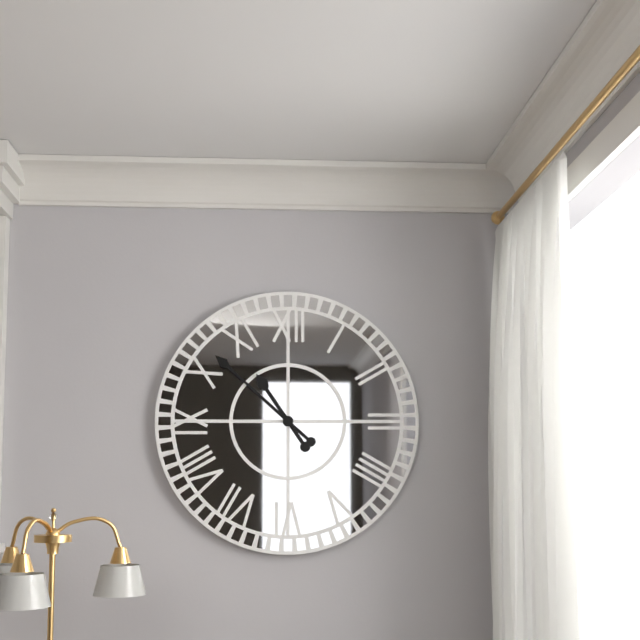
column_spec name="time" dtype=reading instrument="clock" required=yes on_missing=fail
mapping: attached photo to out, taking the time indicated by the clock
10:52
